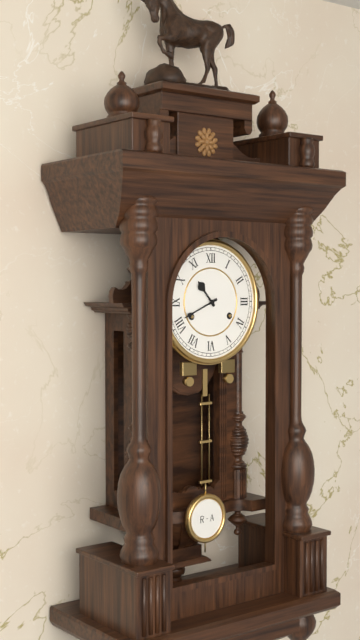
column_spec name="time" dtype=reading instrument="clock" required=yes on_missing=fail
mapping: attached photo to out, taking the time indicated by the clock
10:41
